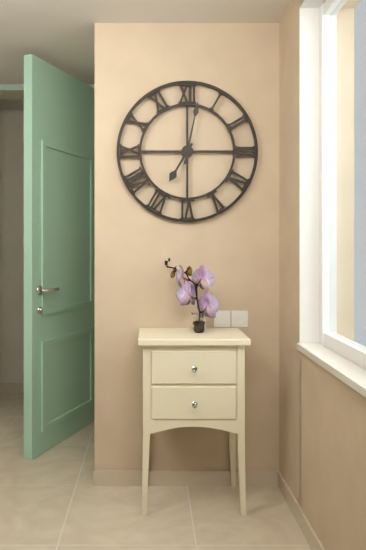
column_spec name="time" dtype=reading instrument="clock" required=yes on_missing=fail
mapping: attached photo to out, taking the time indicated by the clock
7:02
